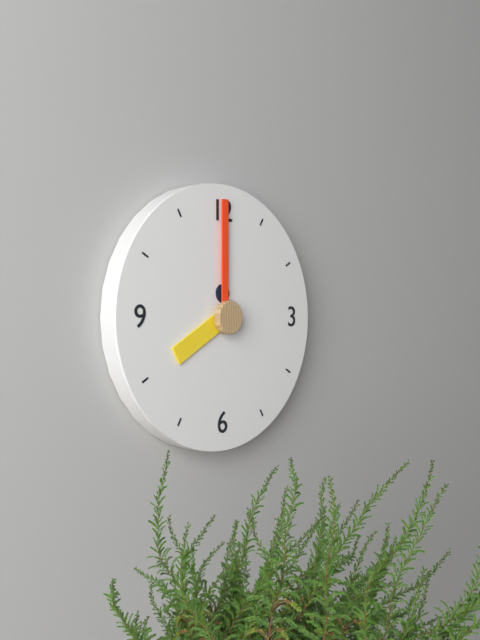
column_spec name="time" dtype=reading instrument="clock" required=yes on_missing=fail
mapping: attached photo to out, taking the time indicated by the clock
8:00
